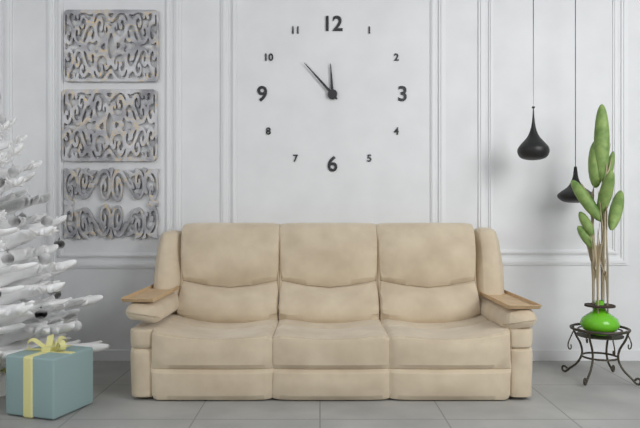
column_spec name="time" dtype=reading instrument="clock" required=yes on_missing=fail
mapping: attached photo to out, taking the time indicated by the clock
11:53
